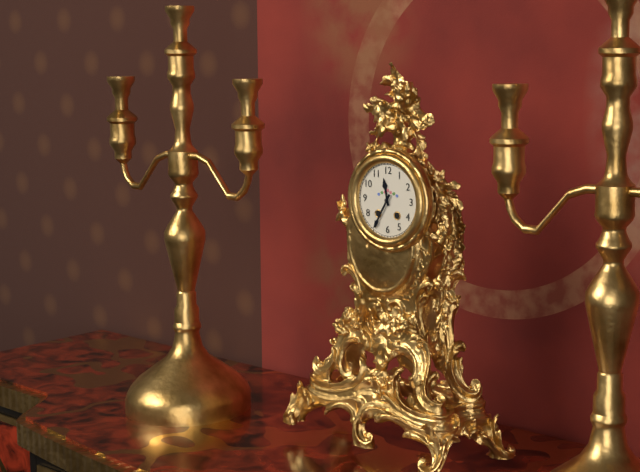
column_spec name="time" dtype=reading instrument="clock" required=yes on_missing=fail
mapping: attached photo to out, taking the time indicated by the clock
11:35
